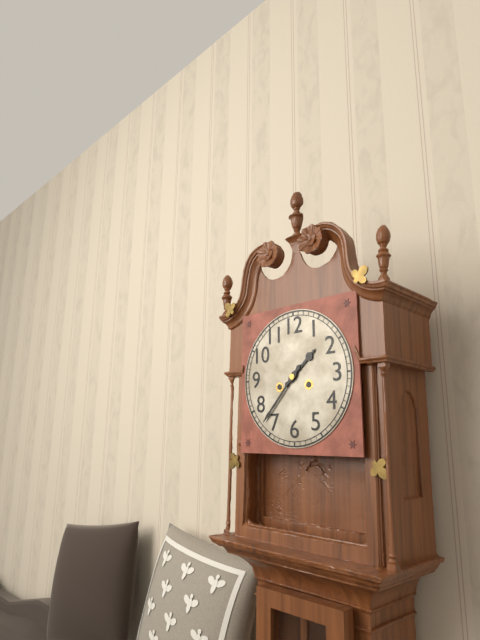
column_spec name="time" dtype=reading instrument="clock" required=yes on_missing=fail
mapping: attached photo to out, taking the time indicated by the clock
1:37
